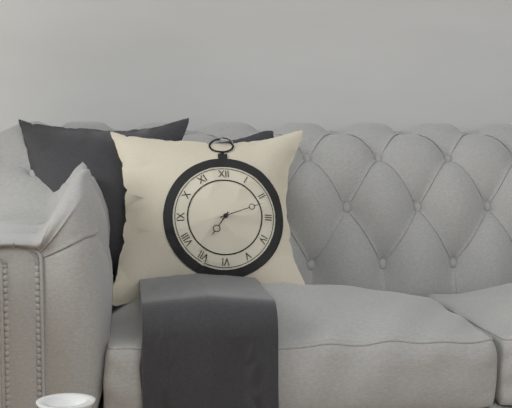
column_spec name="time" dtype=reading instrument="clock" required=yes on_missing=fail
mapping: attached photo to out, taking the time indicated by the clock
7:12
